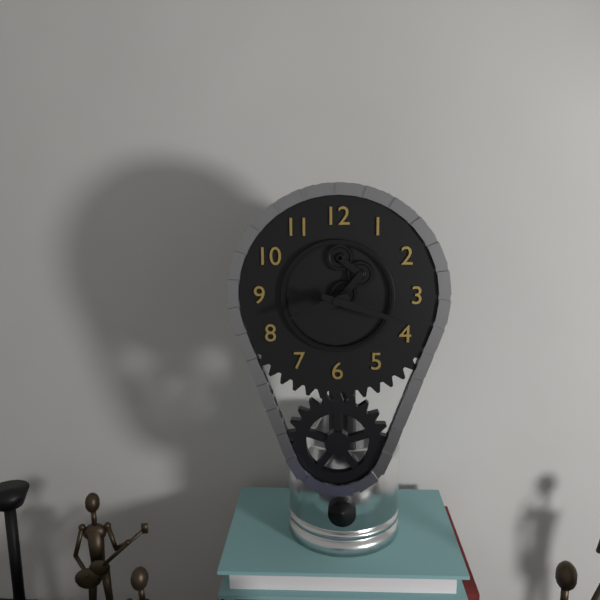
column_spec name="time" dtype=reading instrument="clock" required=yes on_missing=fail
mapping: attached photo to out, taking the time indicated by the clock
8:18
